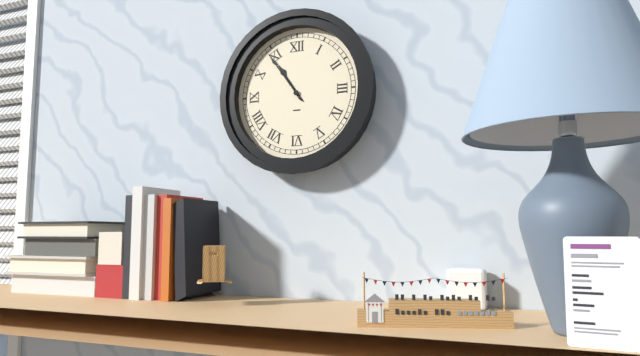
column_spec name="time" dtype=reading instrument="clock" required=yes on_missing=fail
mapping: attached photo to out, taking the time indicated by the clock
10:54
